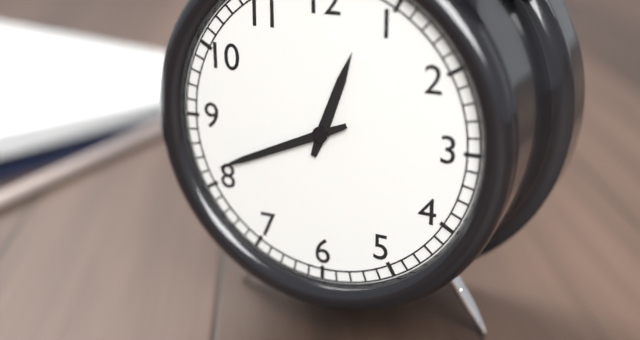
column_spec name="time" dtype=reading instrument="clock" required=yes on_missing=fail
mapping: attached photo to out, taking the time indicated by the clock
12:41
